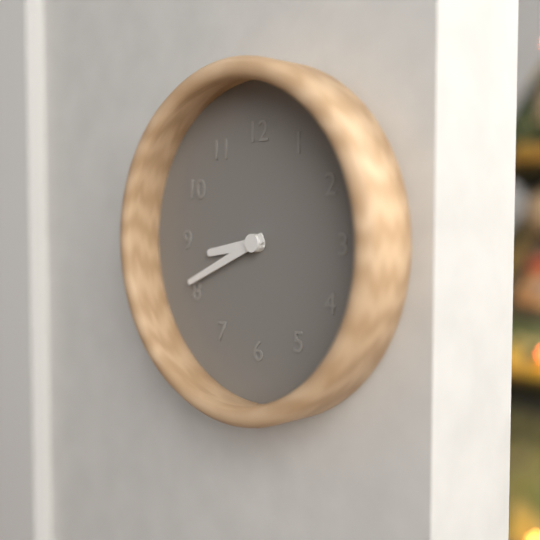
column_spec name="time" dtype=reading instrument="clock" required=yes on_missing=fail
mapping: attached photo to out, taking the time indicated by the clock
8:41
